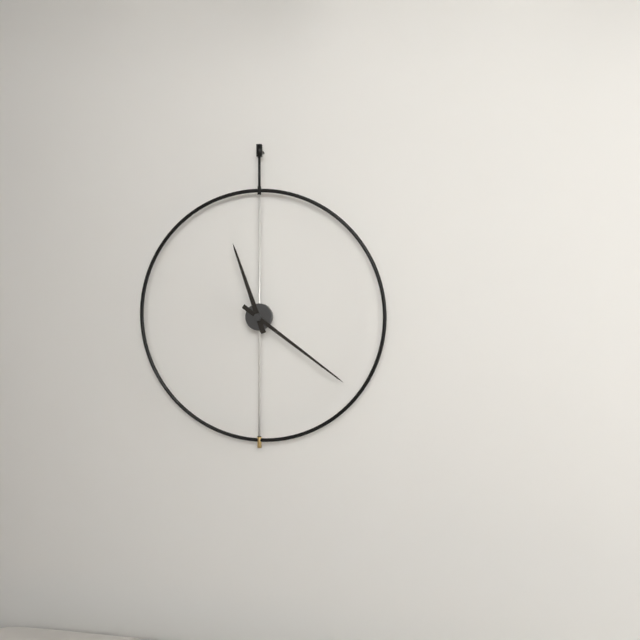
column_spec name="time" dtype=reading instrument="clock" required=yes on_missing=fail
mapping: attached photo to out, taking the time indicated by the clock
11:21
